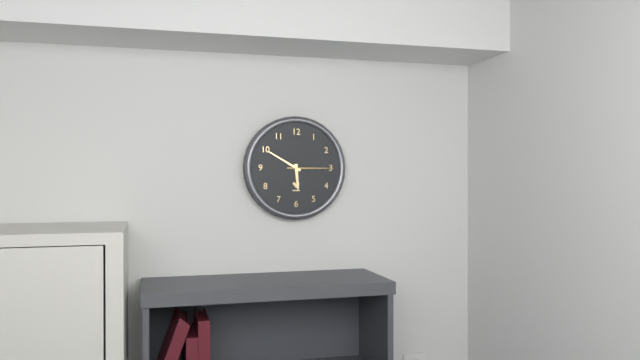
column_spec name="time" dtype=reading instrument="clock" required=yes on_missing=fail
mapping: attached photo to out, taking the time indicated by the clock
5:50
